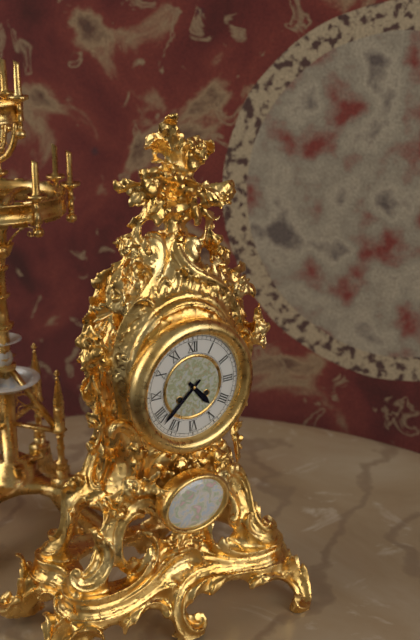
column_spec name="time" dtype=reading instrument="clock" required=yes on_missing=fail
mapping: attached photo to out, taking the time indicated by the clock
4:38
